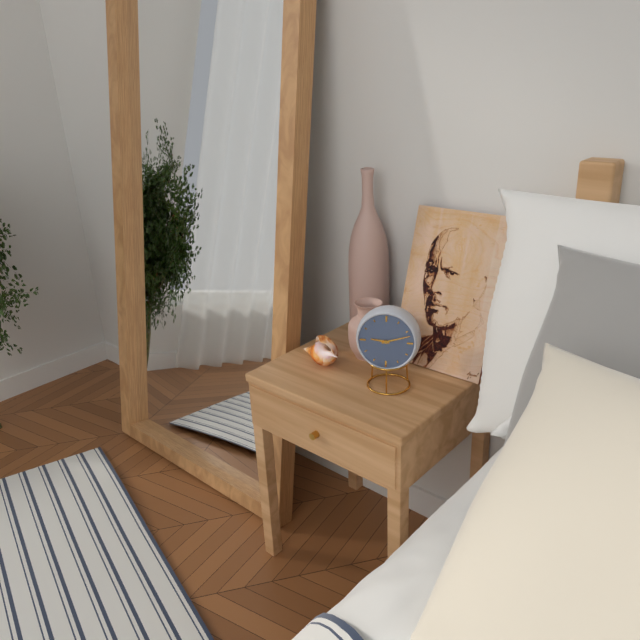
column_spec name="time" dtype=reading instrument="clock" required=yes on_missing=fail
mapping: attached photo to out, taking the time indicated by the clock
9:12
